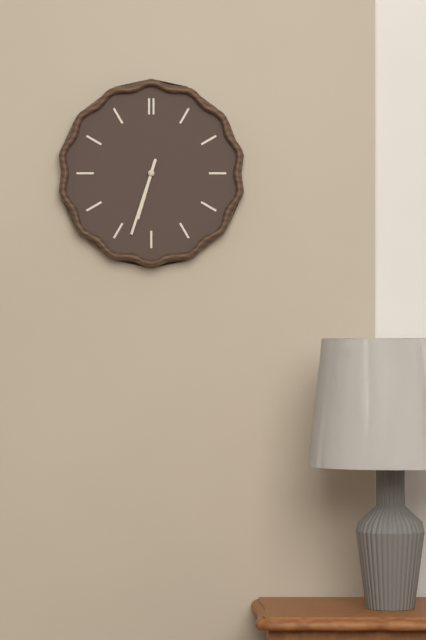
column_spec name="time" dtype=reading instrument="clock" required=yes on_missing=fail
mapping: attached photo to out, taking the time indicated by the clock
6:33
